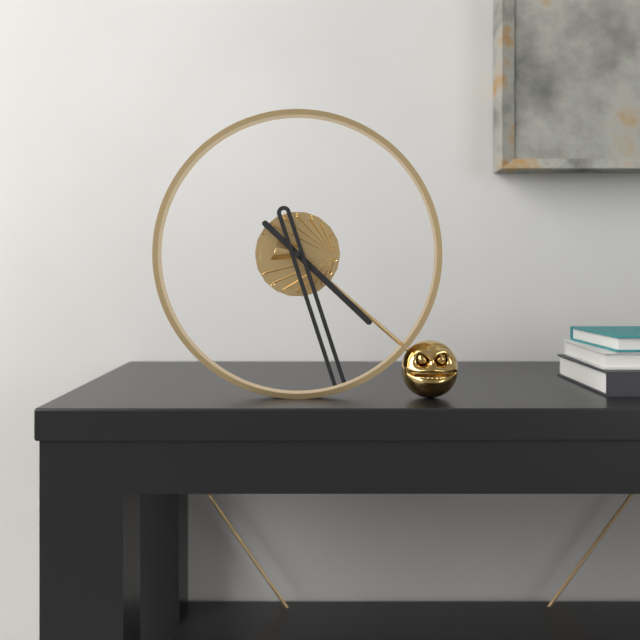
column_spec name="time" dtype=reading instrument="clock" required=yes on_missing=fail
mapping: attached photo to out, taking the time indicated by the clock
4:27
